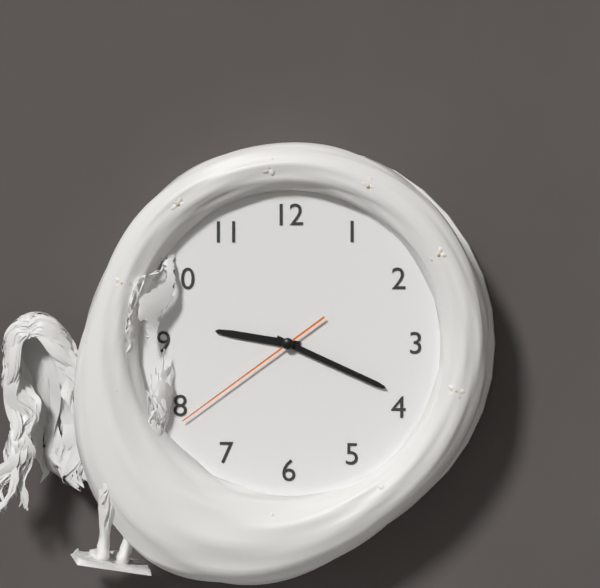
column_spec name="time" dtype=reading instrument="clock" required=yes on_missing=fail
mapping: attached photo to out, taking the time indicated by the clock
9:19:39
